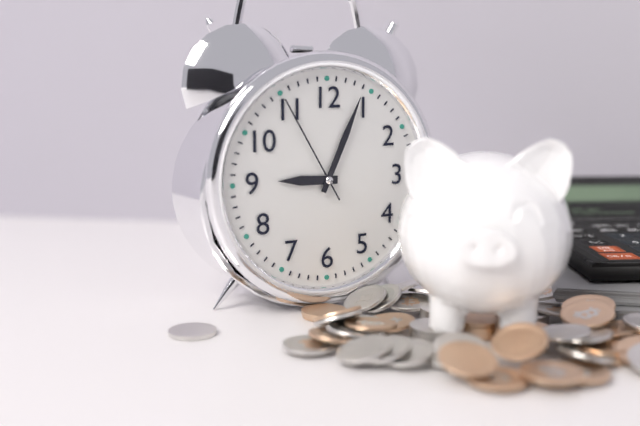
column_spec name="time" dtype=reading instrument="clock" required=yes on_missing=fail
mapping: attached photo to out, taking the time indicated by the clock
9:04:55
